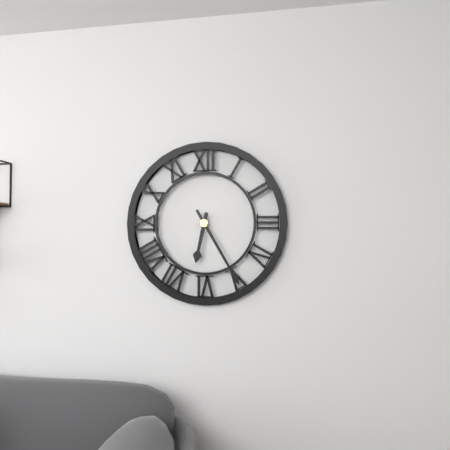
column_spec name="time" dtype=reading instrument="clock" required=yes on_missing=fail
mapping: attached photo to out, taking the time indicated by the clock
6:25
